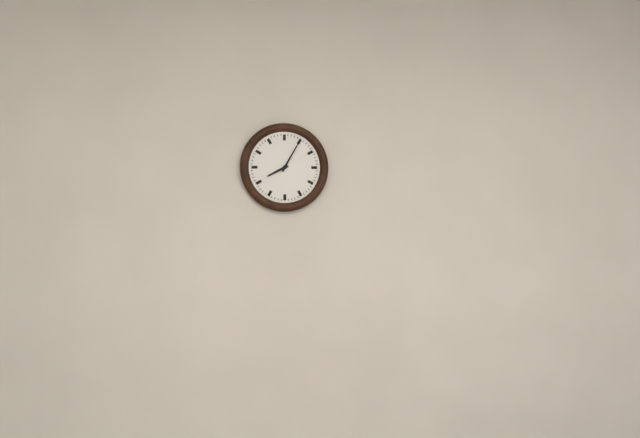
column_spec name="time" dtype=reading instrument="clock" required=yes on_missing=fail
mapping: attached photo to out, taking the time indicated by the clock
8:05
